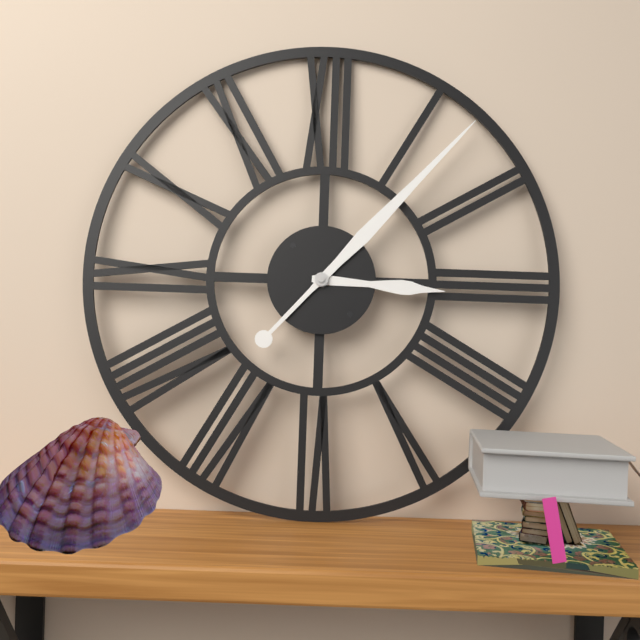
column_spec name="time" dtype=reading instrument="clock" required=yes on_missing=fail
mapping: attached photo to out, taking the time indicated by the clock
3:07
